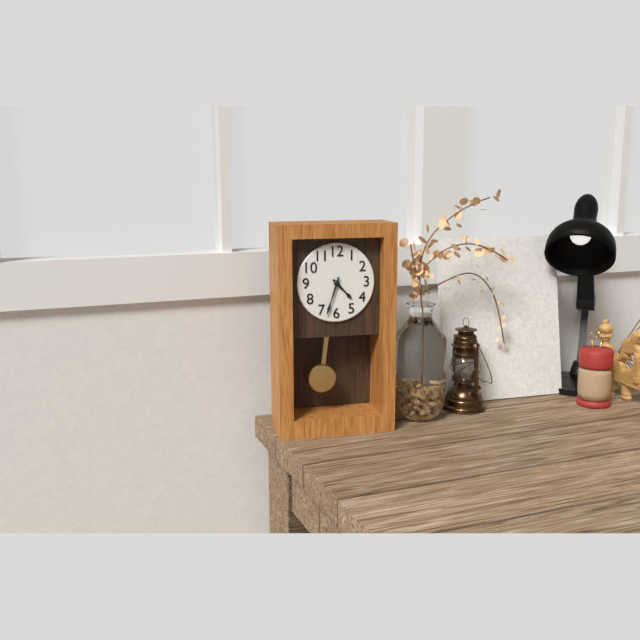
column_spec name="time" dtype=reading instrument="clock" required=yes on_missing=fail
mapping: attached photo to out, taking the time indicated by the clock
4:33
